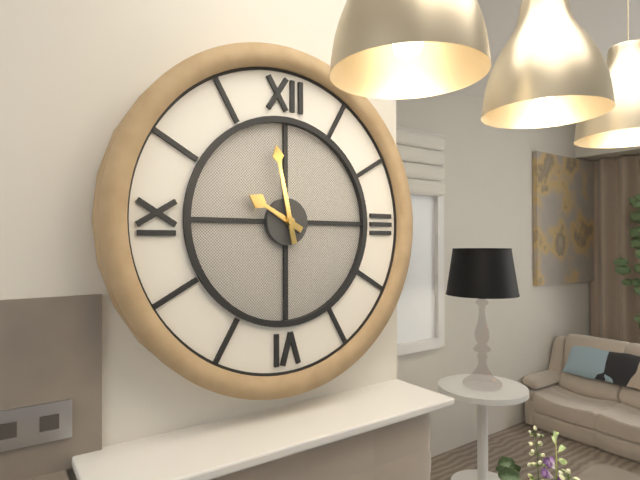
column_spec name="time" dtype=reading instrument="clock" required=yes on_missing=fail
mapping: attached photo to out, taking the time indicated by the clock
9:58
